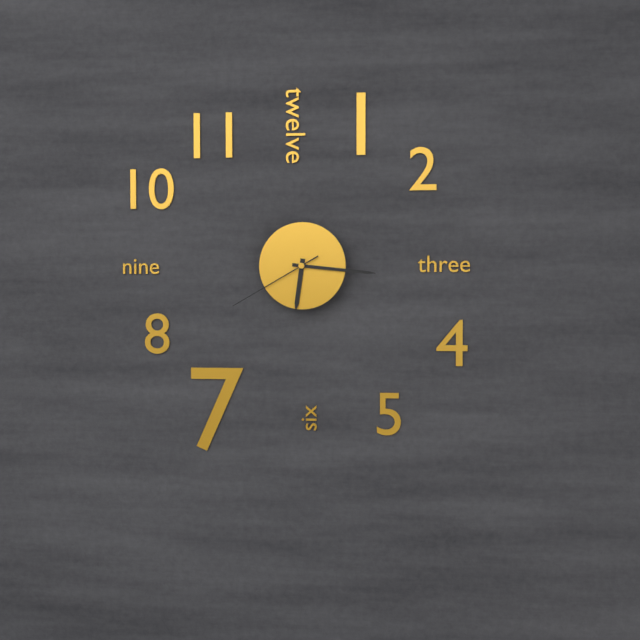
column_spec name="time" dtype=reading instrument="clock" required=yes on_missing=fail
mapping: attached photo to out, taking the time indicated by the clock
6:16:40
